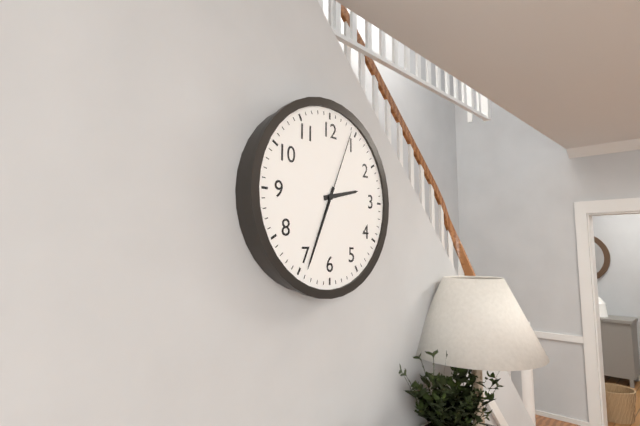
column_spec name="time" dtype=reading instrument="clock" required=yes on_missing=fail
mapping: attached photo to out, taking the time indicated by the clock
2:34:04
